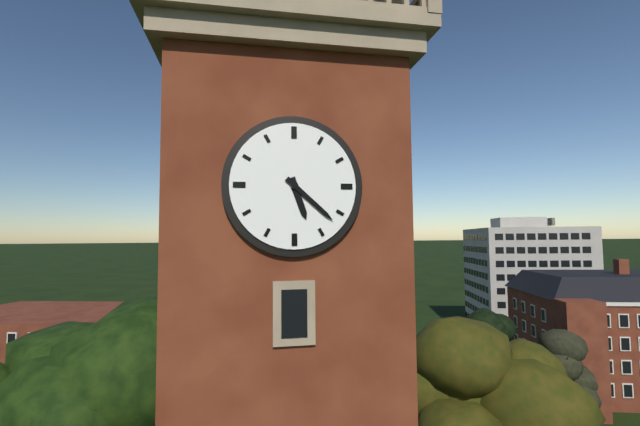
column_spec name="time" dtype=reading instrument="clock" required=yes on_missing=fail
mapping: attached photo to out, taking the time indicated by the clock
5:22
